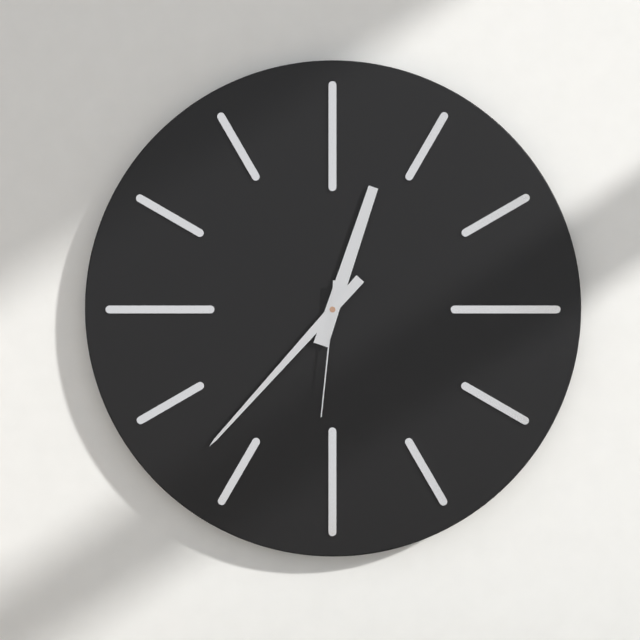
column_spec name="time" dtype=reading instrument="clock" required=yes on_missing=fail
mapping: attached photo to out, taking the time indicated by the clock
12:37:31
